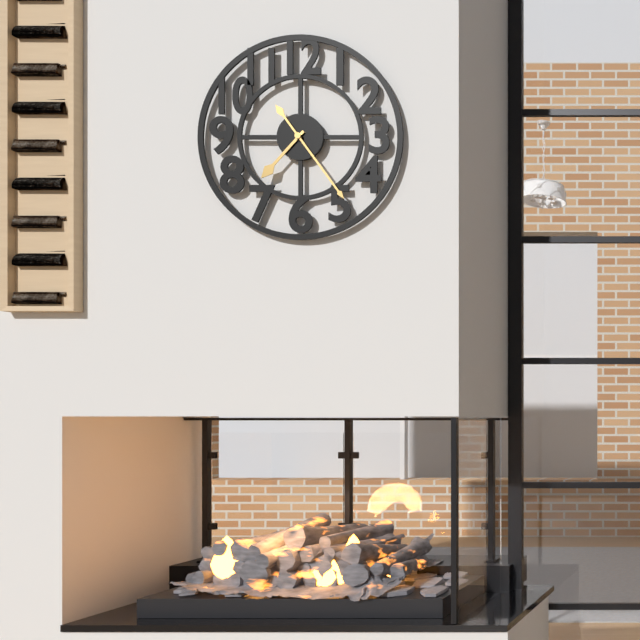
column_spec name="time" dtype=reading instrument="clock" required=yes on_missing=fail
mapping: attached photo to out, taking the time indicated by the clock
7:24
